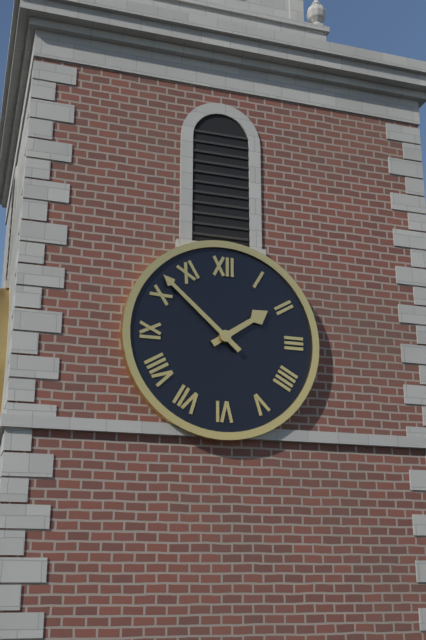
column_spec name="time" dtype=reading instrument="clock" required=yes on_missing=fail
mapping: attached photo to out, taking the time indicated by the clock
1:52
